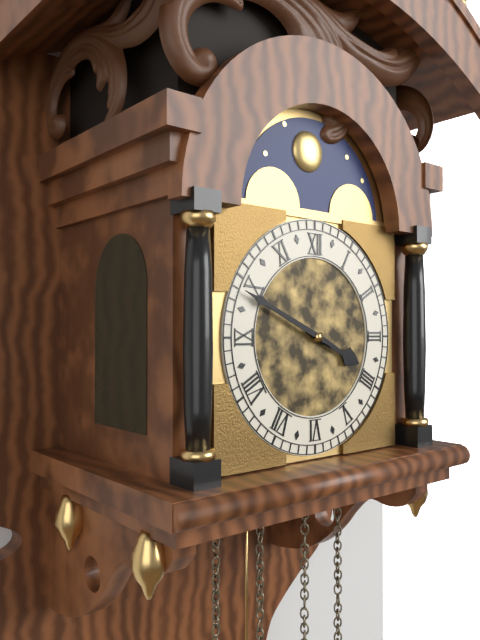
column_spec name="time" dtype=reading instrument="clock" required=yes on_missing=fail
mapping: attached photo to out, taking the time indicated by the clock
3:49
